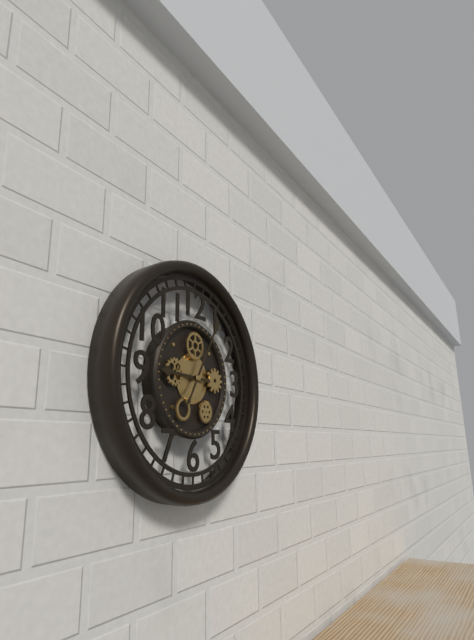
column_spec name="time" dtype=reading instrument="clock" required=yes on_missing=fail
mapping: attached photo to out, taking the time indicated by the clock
9:05
